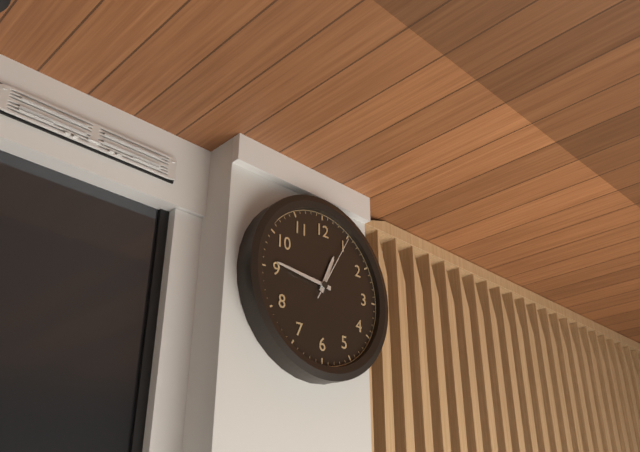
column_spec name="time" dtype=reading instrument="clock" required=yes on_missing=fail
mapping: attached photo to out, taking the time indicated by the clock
12:46:05
